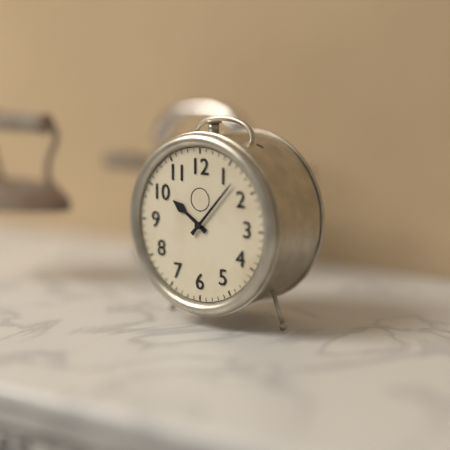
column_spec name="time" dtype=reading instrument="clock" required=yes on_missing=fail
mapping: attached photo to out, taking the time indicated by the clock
10:07
